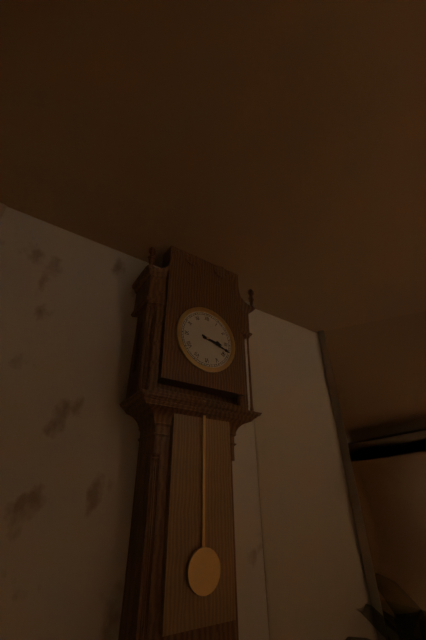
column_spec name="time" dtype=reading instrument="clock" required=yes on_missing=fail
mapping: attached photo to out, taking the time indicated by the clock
3:18
